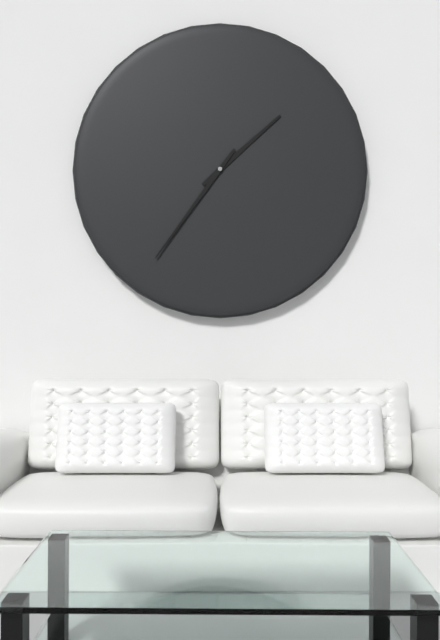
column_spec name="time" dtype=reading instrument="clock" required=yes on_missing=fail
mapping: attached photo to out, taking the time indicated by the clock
1:36
